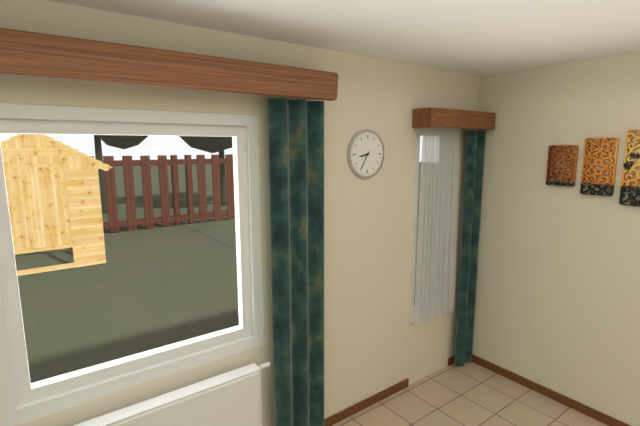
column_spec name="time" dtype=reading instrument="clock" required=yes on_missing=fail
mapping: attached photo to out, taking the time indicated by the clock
8:35
